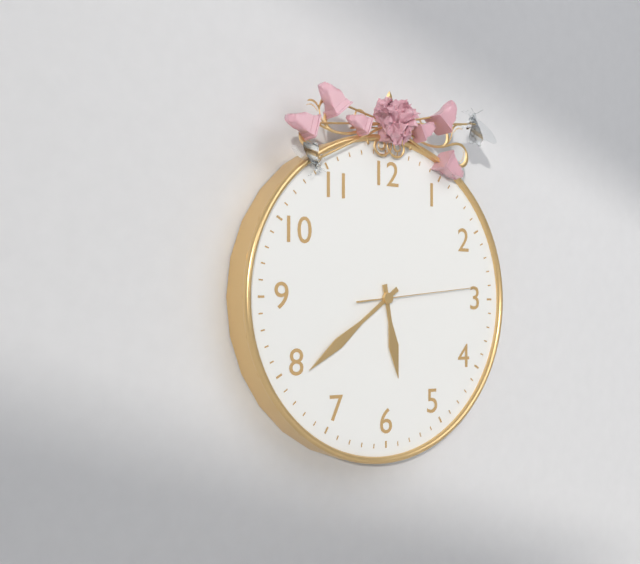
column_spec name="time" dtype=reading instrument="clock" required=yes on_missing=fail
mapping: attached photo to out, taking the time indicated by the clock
5:39:14
